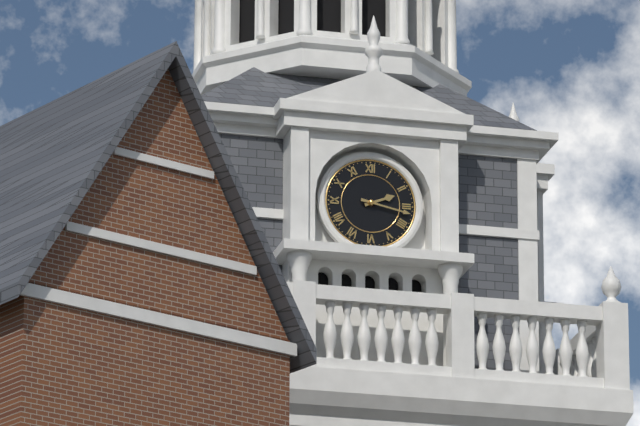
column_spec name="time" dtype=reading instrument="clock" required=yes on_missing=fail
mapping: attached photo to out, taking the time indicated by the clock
2:17
